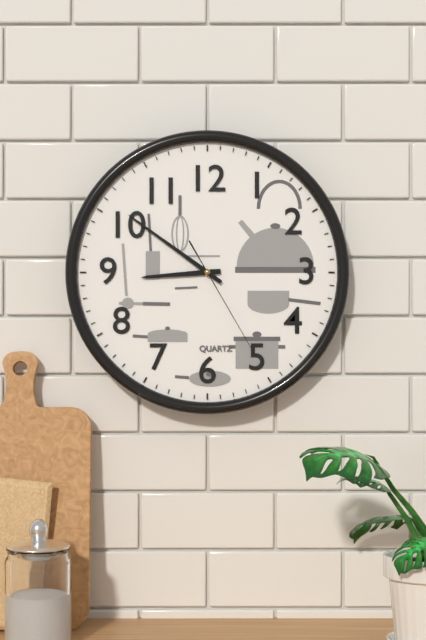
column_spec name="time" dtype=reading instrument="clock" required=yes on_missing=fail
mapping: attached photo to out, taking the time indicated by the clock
8:51:25
